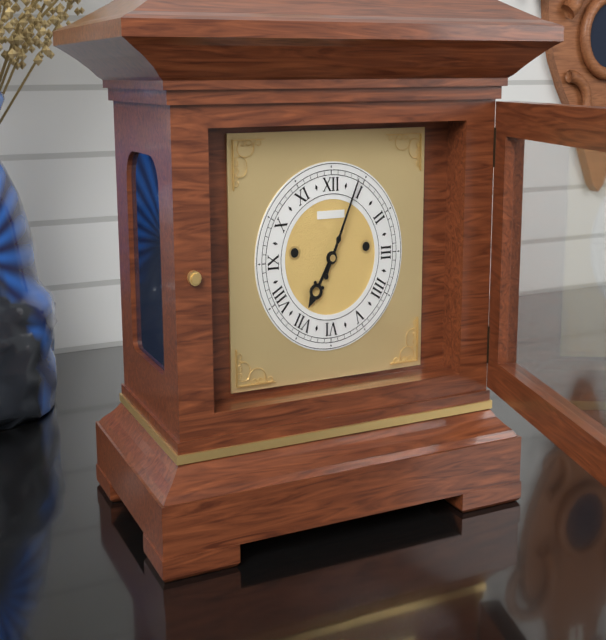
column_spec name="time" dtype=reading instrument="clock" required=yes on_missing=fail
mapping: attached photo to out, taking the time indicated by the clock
7:04
